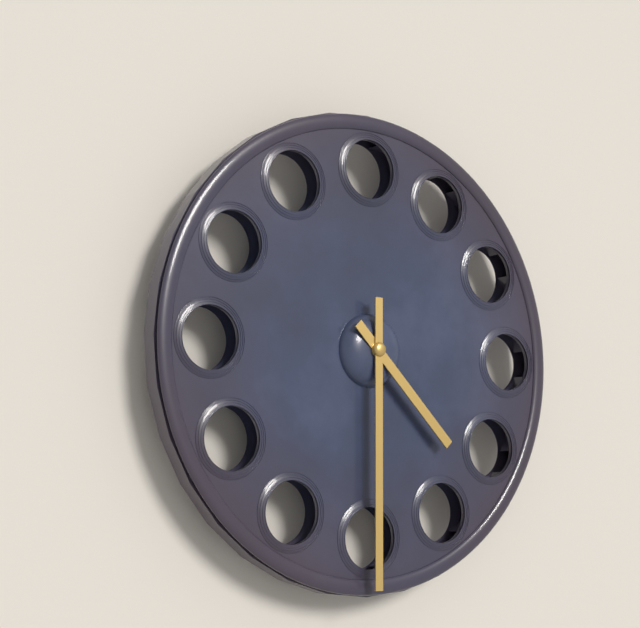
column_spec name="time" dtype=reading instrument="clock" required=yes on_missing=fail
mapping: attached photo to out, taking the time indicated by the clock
4:30
